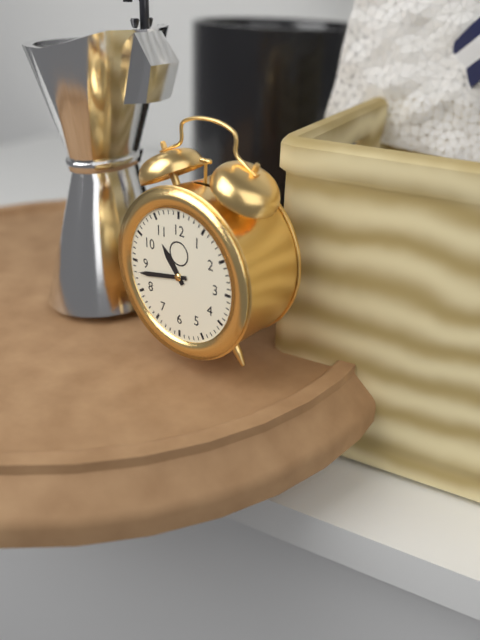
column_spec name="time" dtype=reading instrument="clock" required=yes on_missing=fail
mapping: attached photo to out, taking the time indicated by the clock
10:43
